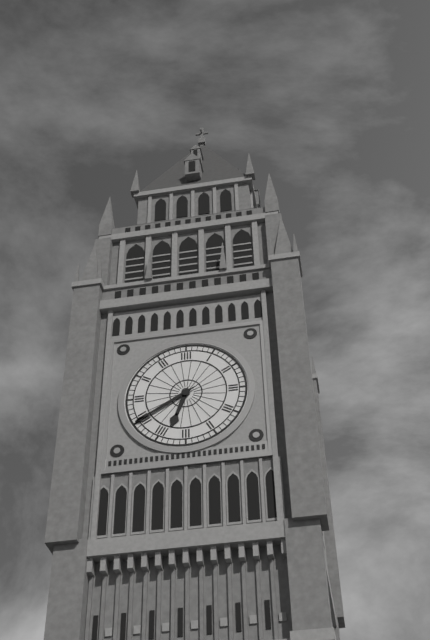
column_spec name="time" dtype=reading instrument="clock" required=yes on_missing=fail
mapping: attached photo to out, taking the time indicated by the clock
6:40
